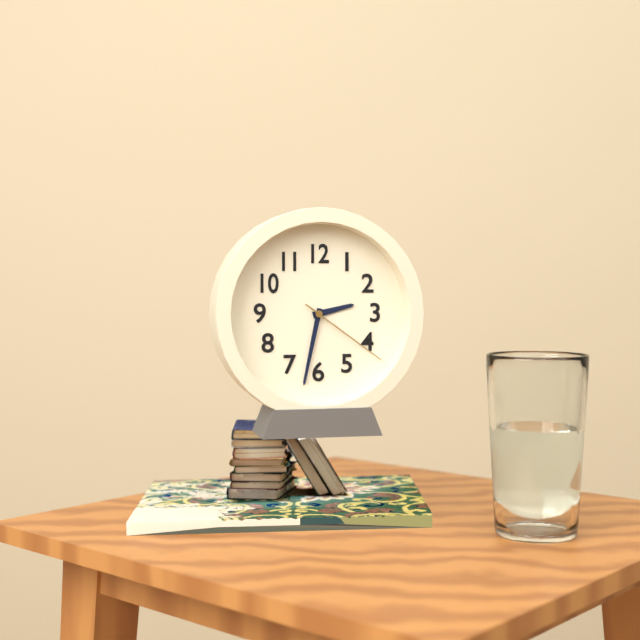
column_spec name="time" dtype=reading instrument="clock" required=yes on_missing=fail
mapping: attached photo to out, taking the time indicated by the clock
2:32:21
